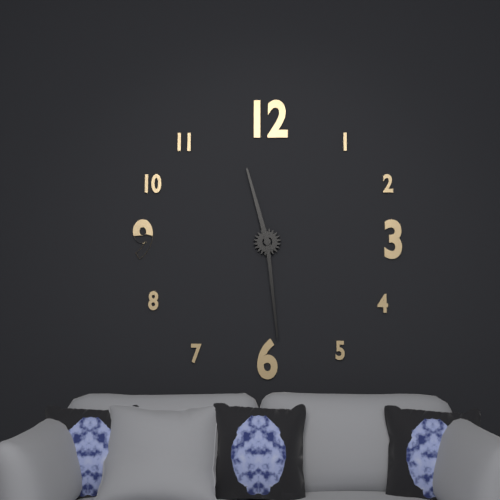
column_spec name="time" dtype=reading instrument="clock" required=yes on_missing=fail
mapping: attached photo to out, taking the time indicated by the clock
11:29
